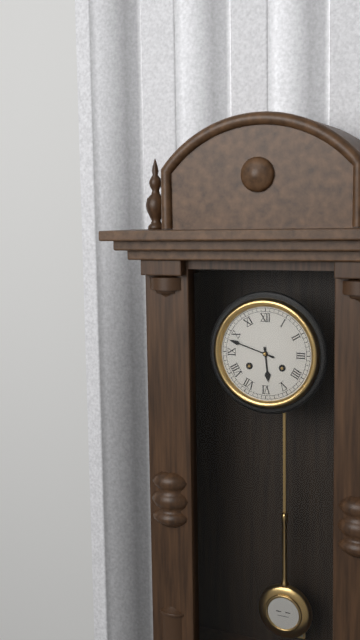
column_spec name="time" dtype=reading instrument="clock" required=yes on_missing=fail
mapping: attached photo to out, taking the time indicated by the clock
5:48
